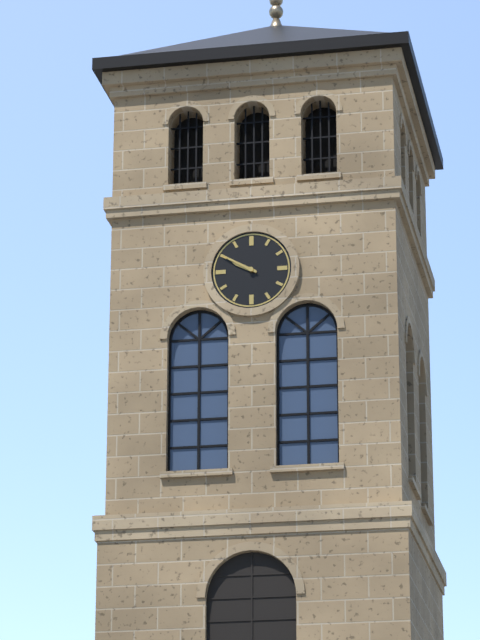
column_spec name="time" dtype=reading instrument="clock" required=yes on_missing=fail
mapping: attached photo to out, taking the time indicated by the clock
9:50
